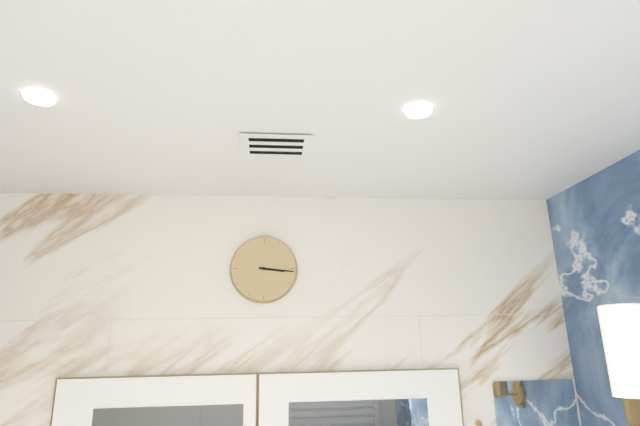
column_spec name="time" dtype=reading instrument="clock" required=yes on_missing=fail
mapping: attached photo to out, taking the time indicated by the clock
3:16
